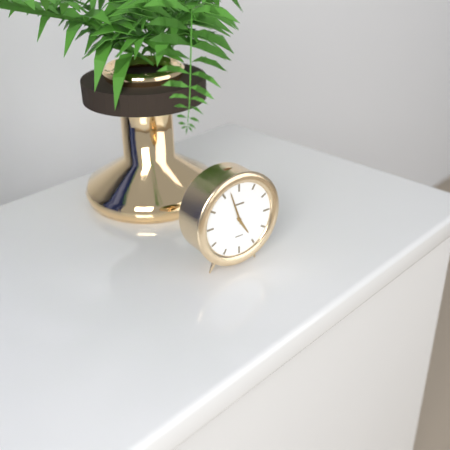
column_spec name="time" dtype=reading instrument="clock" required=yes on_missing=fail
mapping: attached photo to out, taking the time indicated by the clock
4:57
